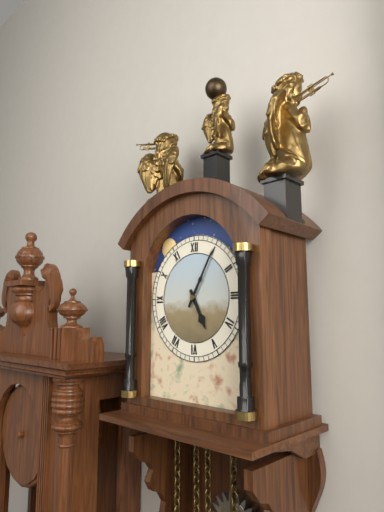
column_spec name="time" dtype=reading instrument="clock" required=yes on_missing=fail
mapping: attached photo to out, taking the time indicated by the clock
5:05
